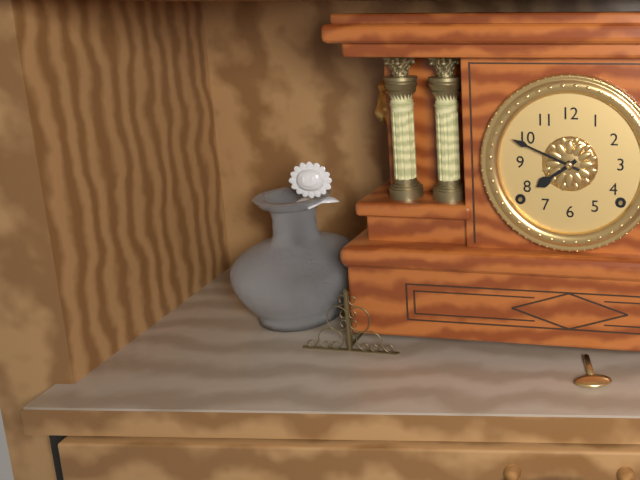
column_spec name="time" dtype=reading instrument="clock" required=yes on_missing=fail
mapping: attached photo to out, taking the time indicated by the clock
7:49
